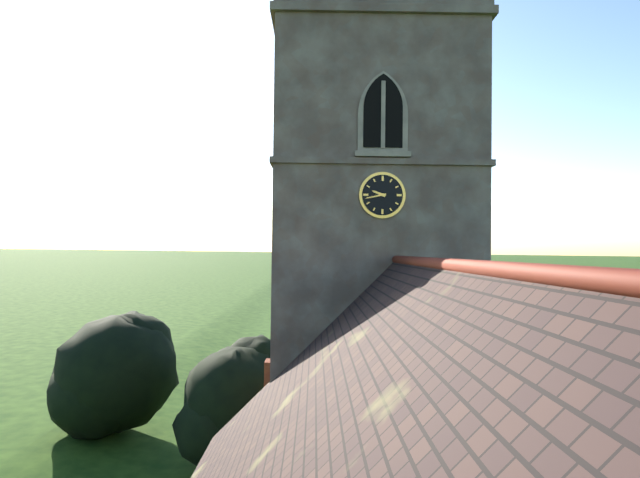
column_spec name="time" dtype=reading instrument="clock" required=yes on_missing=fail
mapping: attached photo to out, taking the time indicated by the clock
9:43
